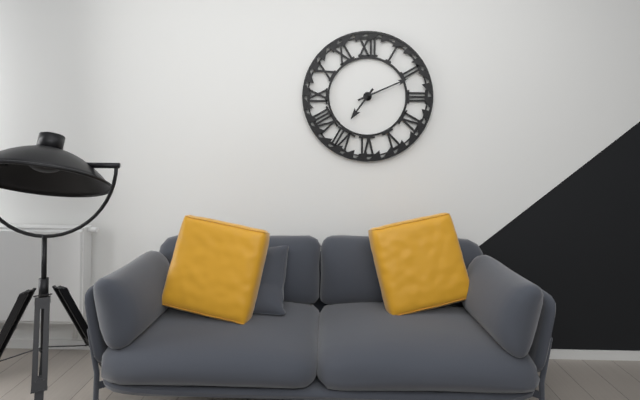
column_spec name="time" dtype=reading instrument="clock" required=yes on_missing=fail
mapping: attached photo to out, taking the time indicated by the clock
7:11
